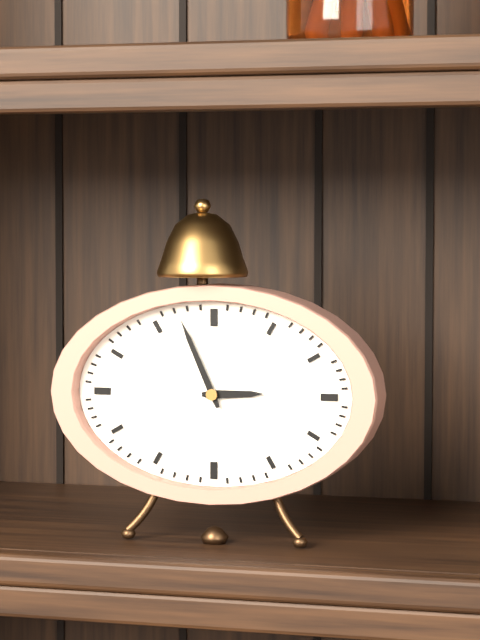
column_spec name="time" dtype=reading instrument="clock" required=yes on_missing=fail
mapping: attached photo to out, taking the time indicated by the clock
2:56
